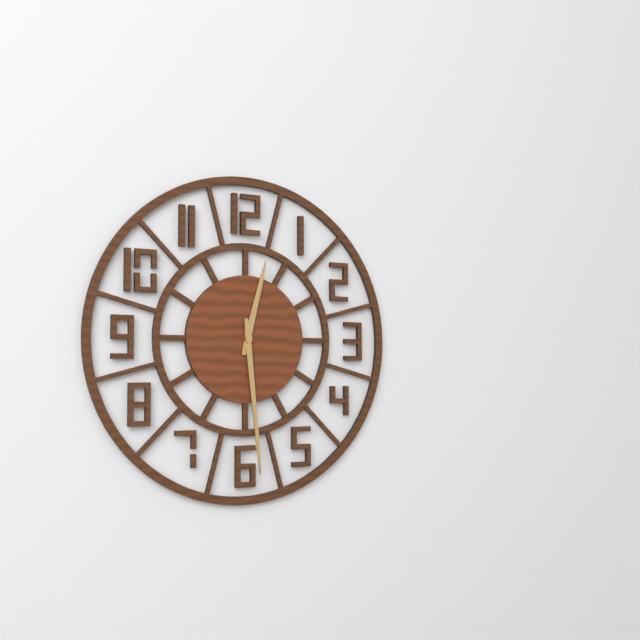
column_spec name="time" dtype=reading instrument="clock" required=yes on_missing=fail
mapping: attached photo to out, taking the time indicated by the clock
12:29
